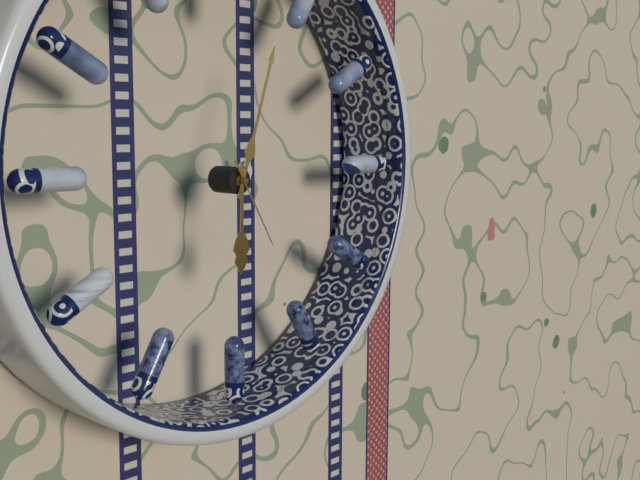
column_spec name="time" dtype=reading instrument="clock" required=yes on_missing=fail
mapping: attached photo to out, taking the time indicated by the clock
6:03:25
